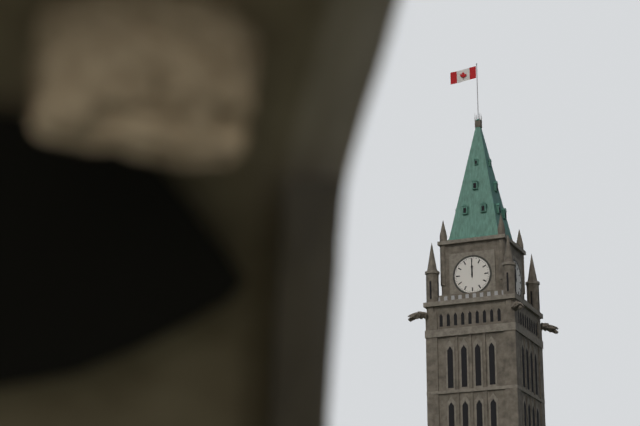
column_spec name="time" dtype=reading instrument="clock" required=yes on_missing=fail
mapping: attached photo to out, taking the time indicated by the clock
12:00
